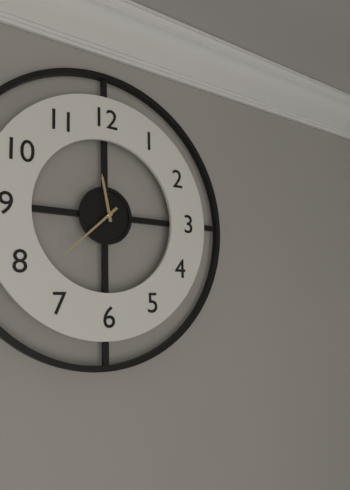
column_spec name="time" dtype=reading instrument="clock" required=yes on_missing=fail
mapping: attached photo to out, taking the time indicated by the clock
11:38
